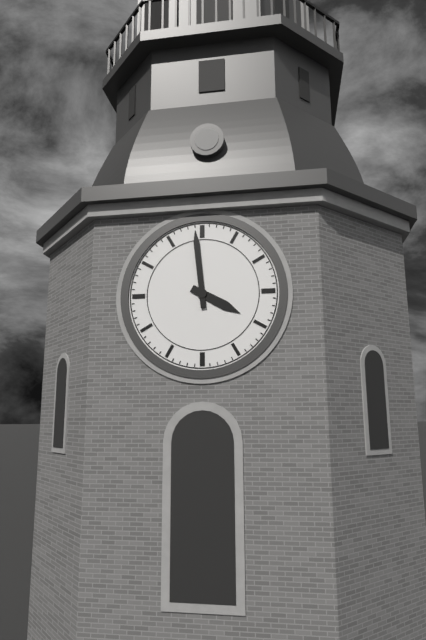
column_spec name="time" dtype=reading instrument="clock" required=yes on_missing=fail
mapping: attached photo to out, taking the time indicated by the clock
3:59
